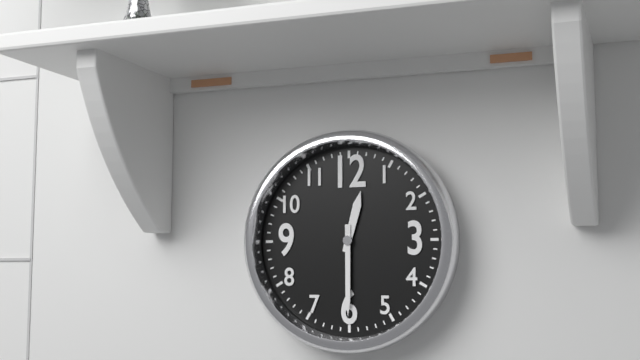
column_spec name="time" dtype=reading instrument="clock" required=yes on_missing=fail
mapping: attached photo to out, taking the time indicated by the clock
12:30
